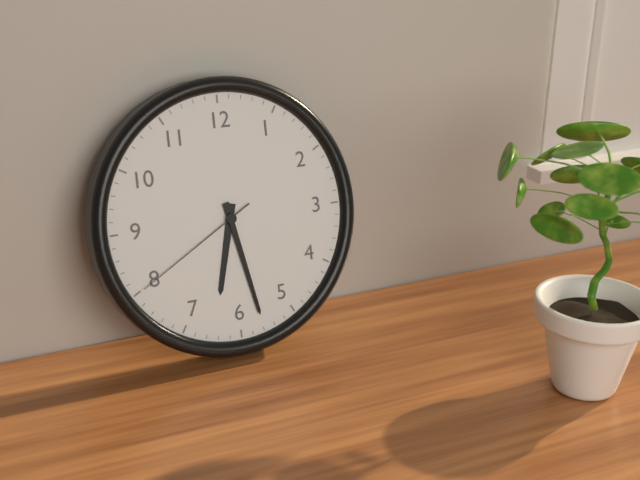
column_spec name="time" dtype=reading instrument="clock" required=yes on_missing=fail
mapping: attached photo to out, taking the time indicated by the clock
6:28:40
